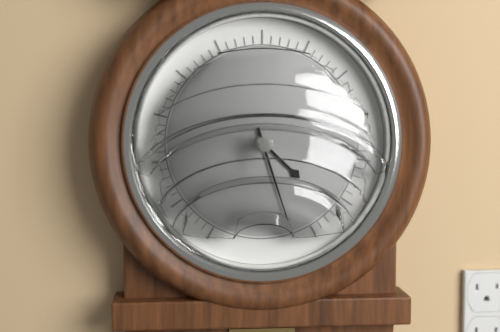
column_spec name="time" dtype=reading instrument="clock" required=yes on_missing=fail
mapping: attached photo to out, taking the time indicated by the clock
4:27
